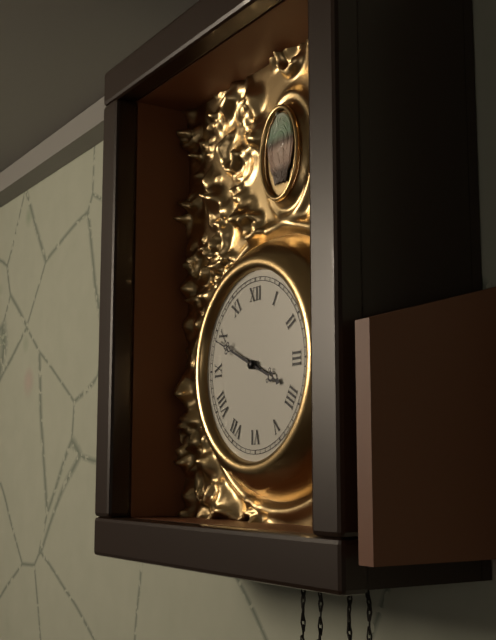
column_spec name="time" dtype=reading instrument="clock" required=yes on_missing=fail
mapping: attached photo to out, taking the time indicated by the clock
3:49
